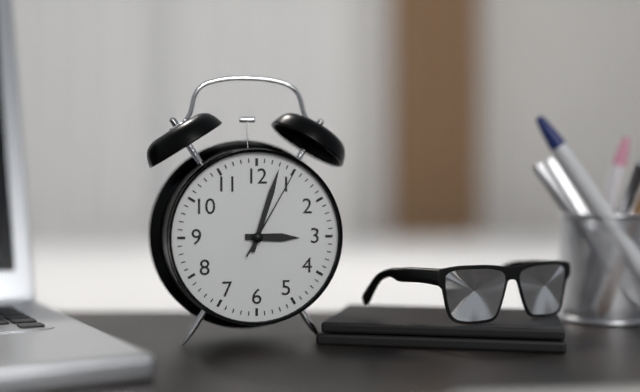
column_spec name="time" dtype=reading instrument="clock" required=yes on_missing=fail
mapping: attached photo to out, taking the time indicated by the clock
3:03:05
